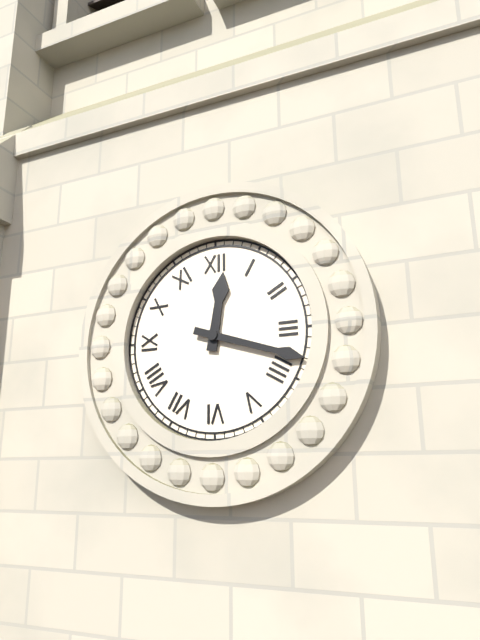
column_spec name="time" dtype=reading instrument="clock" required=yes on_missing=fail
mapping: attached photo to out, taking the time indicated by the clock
12:18
